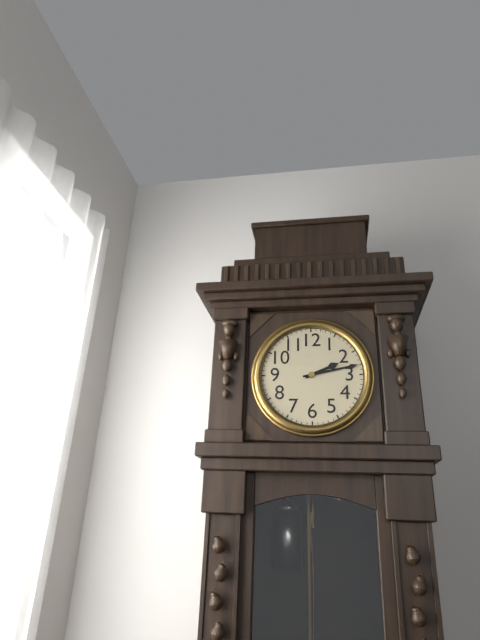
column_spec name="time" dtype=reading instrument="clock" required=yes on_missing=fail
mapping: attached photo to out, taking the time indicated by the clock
2:13
